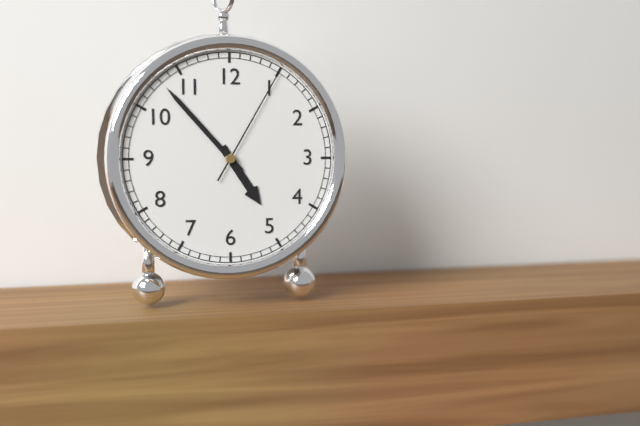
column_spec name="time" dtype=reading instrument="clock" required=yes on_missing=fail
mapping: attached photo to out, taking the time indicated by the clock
4:53:05
